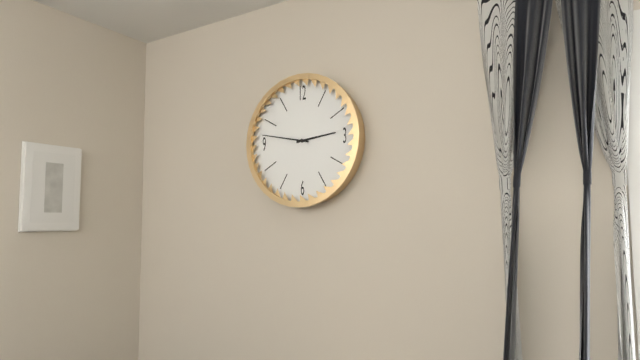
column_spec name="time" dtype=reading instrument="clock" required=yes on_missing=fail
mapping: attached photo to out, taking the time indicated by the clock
2:47
